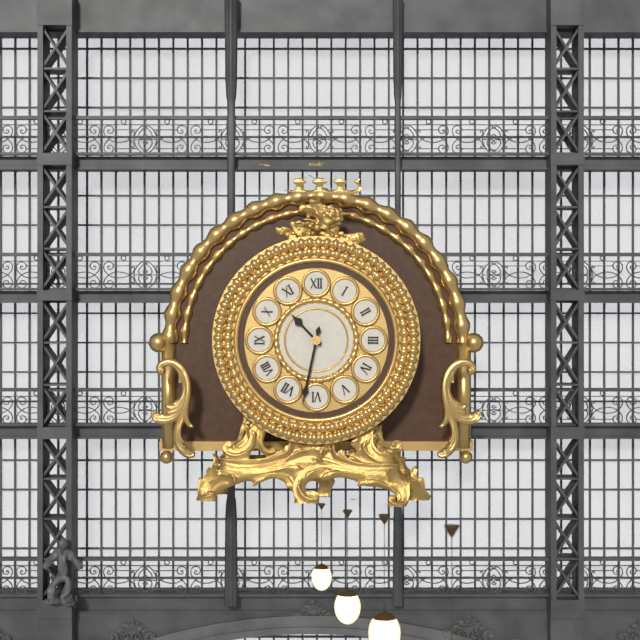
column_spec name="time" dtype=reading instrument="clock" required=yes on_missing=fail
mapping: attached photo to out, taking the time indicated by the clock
10:32
